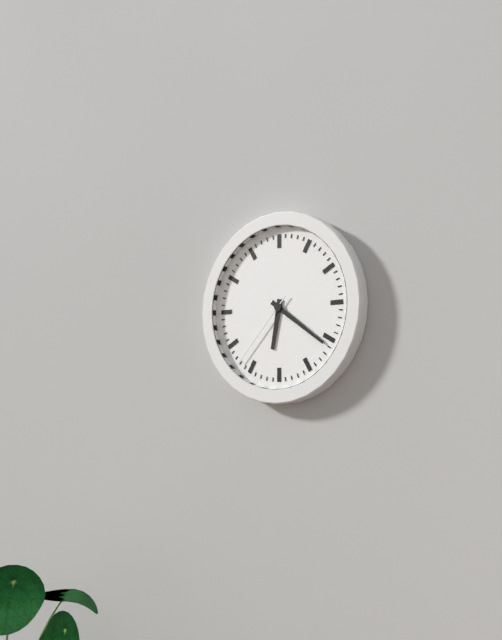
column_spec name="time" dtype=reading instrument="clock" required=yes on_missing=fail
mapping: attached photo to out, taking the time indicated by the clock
6:21:37
